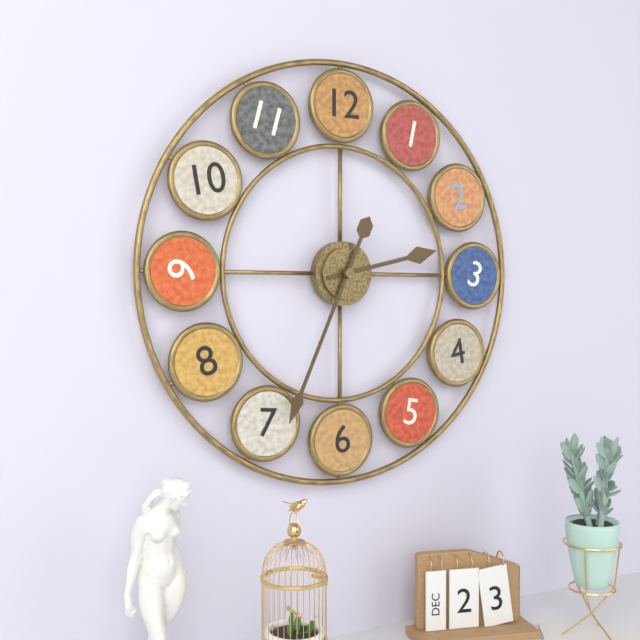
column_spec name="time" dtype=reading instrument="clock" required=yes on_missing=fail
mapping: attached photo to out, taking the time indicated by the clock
2:34
